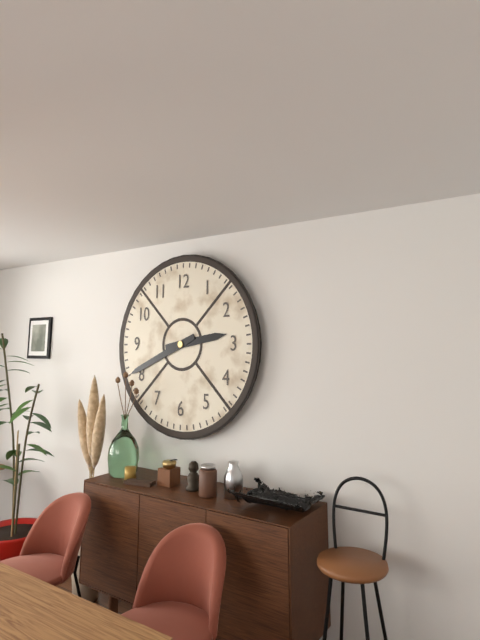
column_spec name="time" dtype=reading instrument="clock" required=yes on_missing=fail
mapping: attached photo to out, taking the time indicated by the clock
2:41
